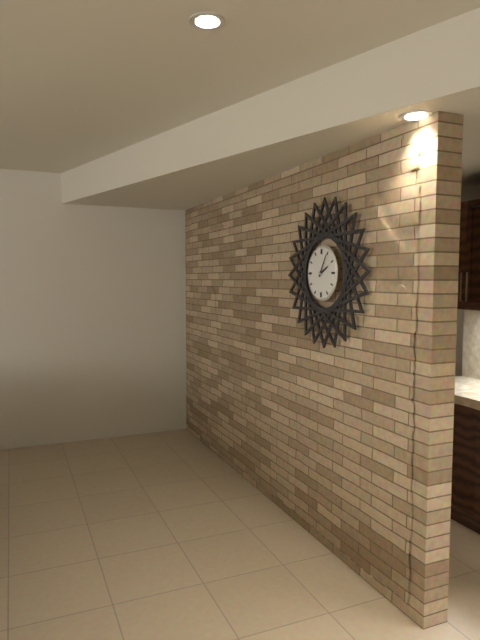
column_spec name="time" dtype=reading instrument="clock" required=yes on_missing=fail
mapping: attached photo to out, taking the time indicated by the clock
2:05
